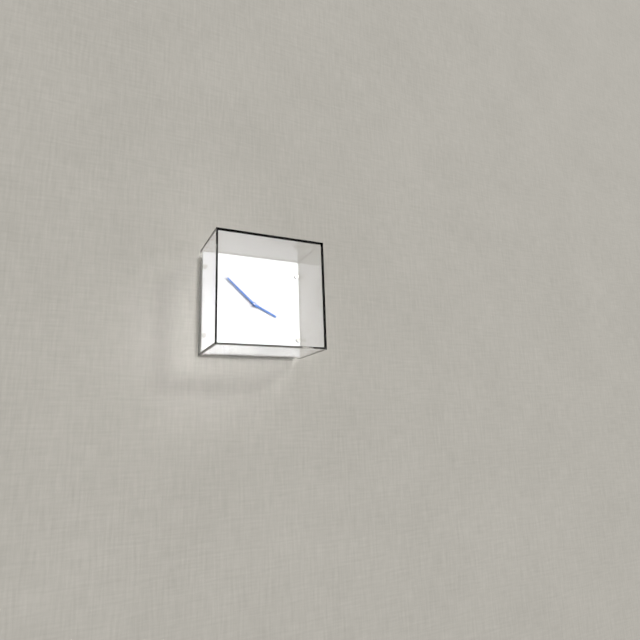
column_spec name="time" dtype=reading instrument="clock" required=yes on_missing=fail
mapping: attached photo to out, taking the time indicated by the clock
3:52
